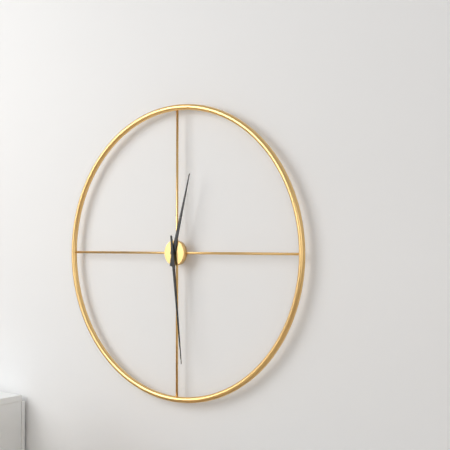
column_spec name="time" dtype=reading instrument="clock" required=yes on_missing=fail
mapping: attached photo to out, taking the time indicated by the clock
12:29
